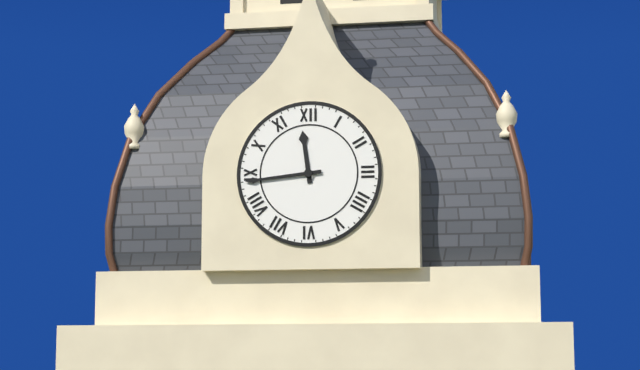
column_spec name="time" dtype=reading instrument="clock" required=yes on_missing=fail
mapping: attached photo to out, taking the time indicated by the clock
11:44
